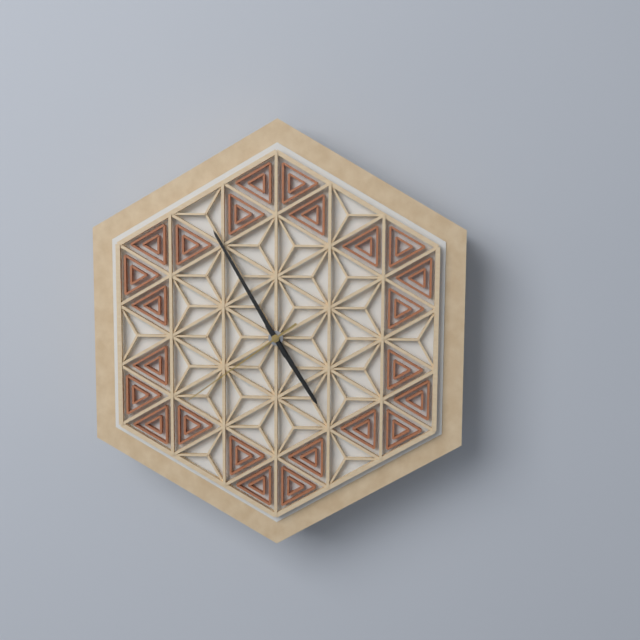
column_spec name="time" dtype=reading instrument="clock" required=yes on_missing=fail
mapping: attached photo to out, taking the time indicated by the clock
4:55:39
